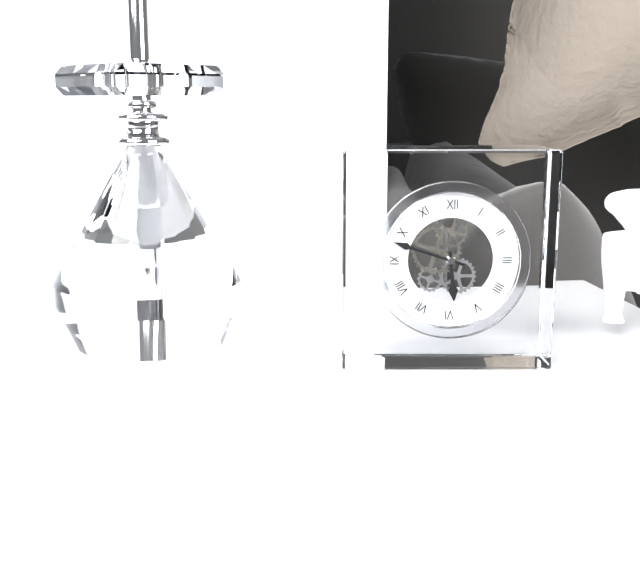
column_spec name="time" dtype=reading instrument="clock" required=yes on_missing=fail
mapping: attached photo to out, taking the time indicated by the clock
5:48
